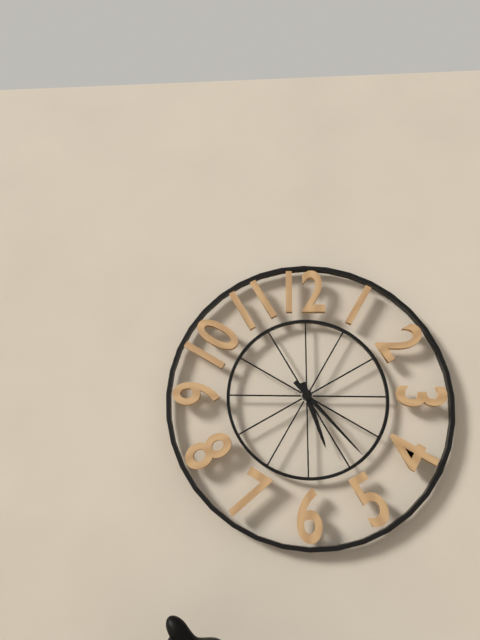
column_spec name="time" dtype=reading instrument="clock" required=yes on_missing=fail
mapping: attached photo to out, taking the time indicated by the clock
5:23
